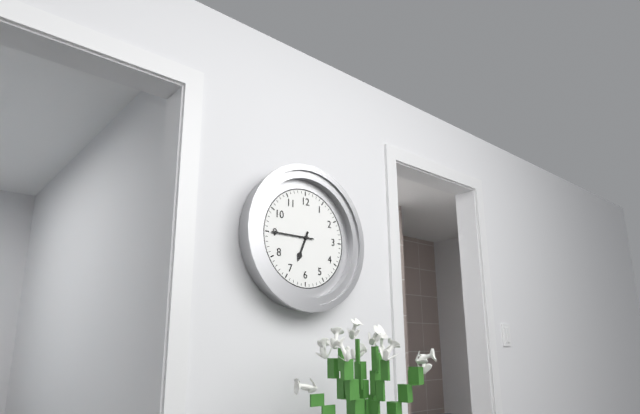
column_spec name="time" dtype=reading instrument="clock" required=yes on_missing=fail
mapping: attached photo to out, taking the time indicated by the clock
6:45
